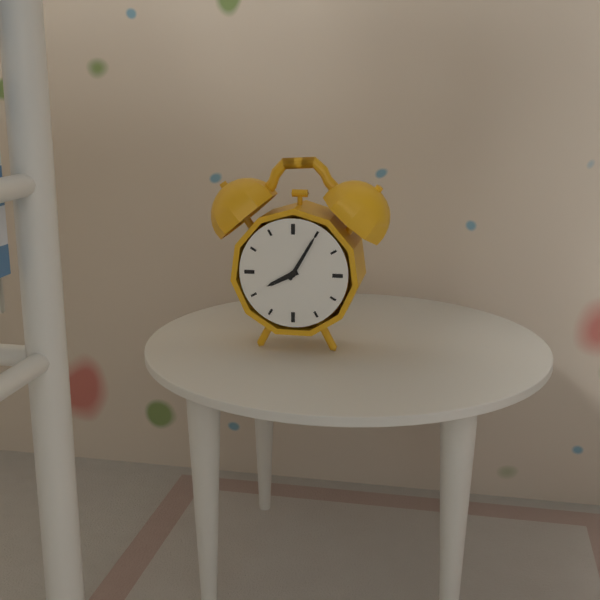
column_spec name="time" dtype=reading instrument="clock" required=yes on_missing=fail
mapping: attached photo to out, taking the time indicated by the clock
8:05
